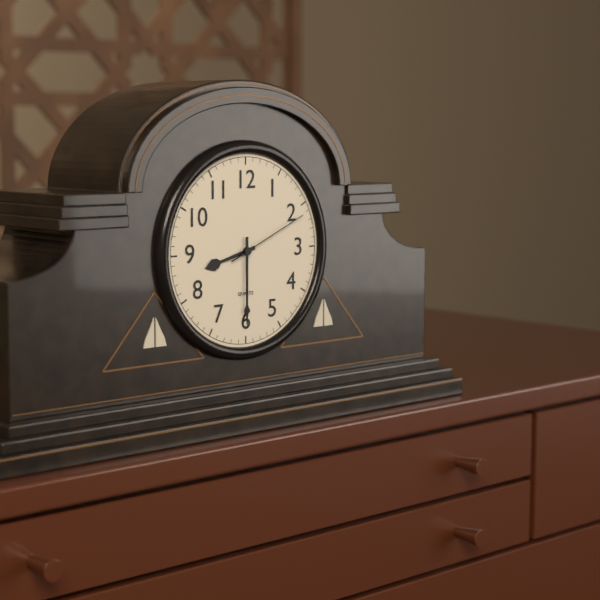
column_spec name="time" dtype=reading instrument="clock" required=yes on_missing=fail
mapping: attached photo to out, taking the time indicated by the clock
8:30:11
